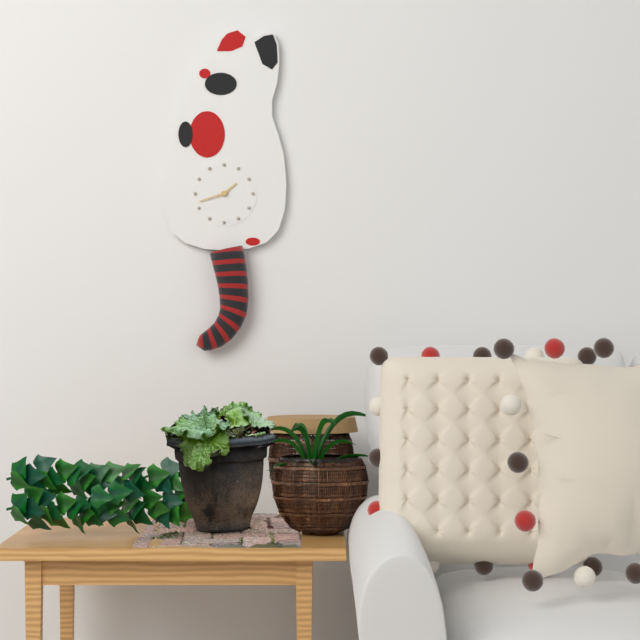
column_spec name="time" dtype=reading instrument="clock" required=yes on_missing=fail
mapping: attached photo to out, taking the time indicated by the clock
1:42
